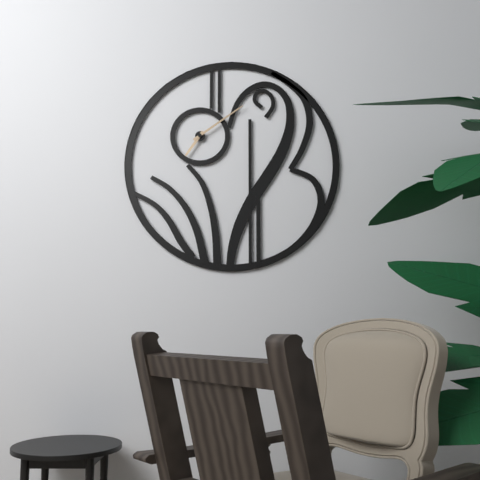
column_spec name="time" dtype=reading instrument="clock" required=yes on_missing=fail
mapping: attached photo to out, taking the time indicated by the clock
7:09
